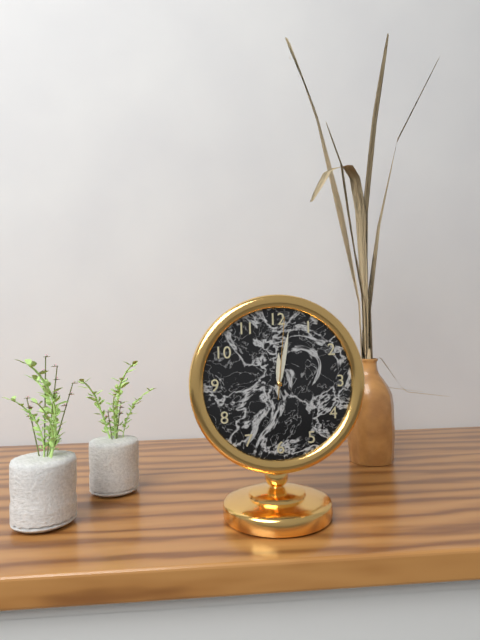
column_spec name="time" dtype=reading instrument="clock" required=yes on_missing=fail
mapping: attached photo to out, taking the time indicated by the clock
12:02:01
